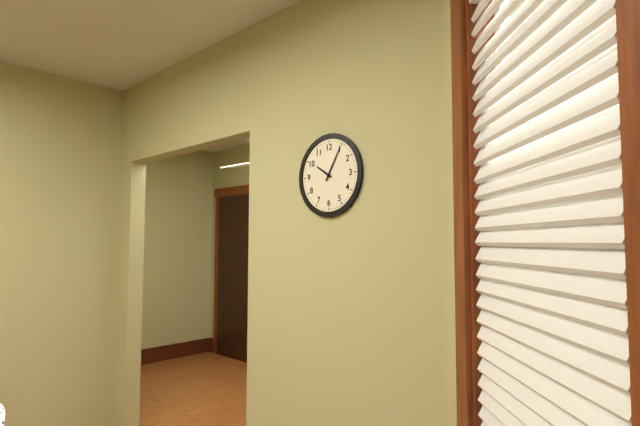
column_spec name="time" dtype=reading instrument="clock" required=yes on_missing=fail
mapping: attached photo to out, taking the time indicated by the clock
10:05
